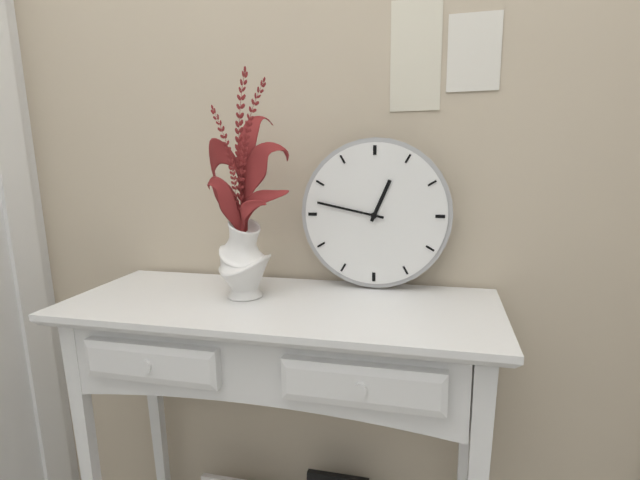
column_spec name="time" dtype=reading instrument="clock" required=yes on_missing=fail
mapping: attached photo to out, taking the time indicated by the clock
12:47
